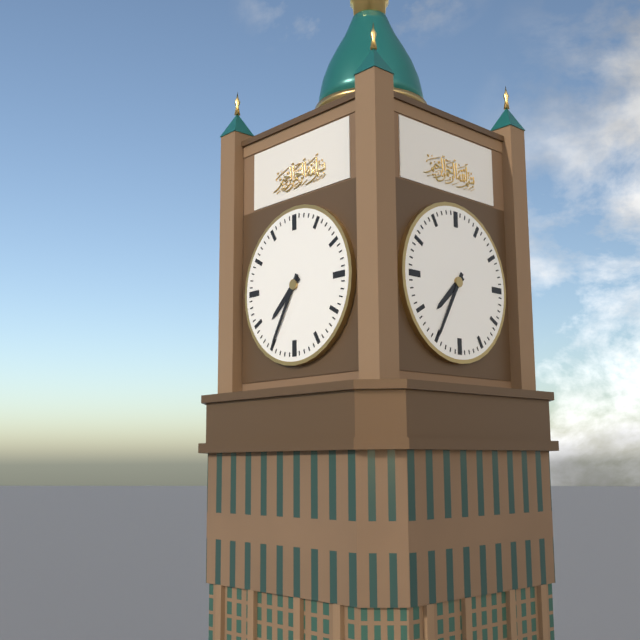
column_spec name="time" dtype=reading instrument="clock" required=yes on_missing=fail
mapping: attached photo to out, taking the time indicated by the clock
7:35
